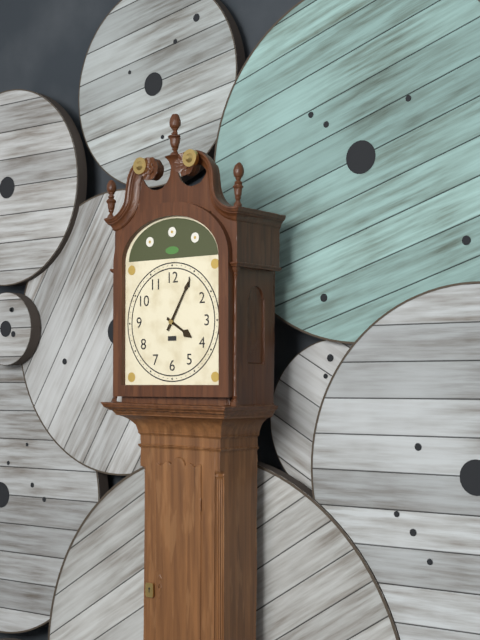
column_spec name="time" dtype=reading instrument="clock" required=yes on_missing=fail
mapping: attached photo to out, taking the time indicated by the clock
4:05
